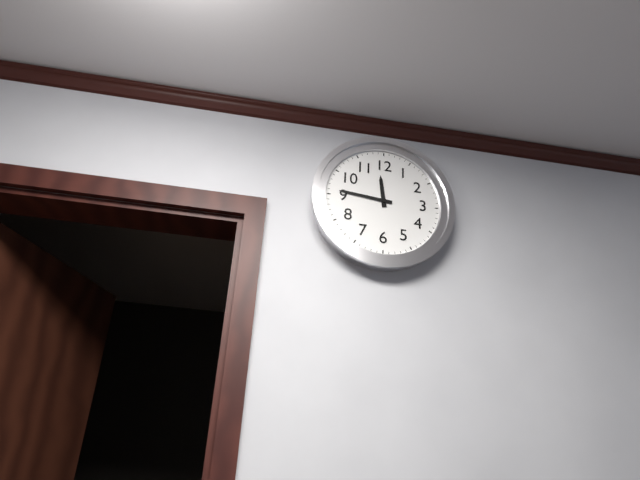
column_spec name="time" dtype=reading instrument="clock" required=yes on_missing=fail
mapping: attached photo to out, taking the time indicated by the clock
11:46
